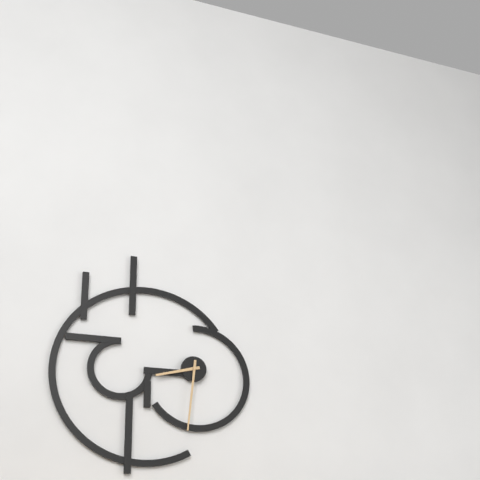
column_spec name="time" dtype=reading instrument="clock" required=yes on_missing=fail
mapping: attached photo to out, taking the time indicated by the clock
8:31
